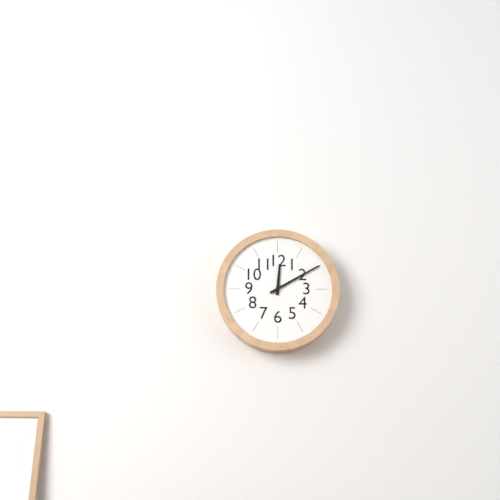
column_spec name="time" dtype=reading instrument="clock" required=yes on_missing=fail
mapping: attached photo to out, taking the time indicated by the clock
12:10
